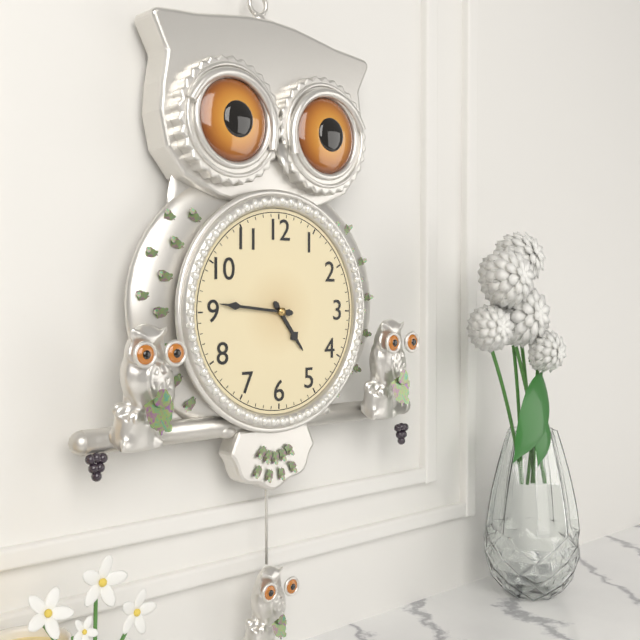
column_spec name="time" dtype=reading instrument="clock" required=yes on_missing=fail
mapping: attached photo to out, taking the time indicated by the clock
4:46
